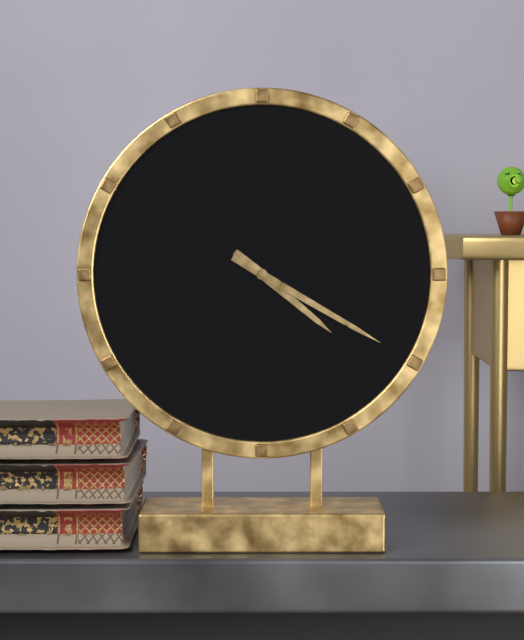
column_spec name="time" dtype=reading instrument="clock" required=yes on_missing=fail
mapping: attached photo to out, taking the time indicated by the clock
4:20
